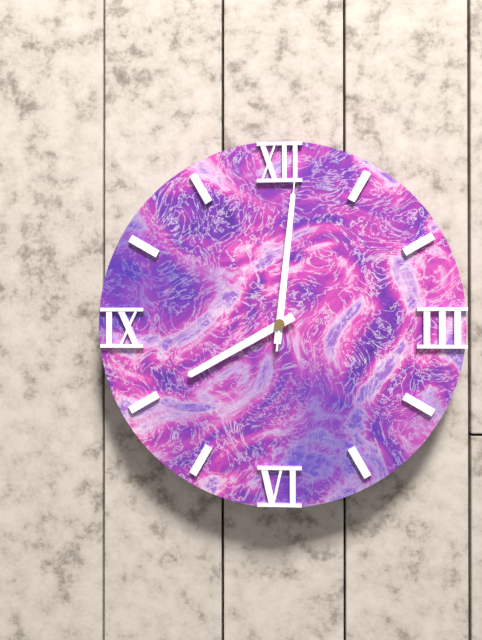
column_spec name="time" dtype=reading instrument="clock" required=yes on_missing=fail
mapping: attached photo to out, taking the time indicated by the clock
8:01:01
